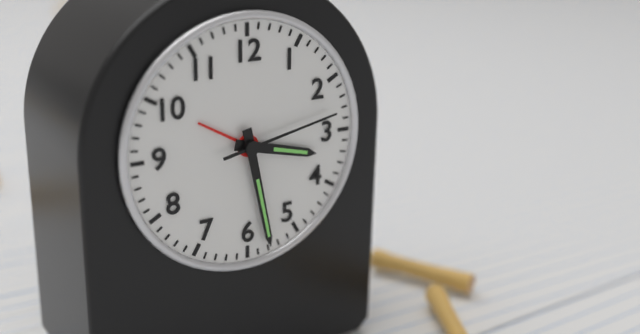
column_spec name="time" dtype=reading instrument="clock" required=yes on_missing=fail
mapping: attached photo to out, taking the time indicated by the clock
3:28:13
